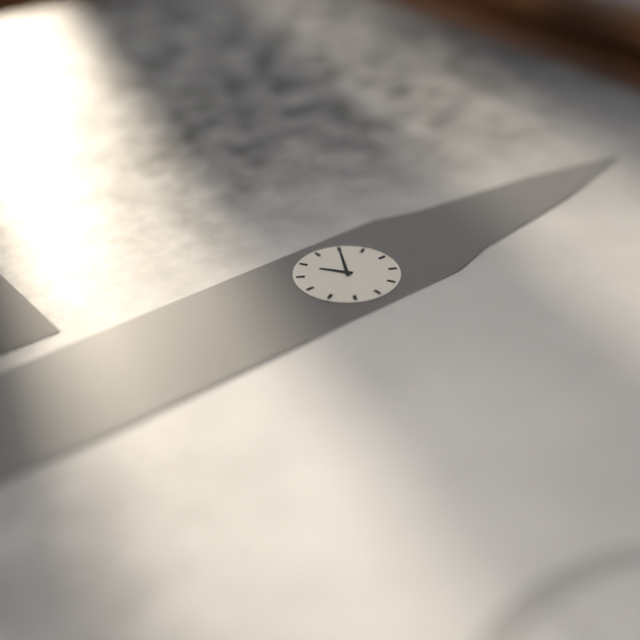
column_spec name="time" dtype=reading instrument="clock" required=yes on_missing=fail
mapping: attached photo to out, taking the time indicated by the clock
7:50
